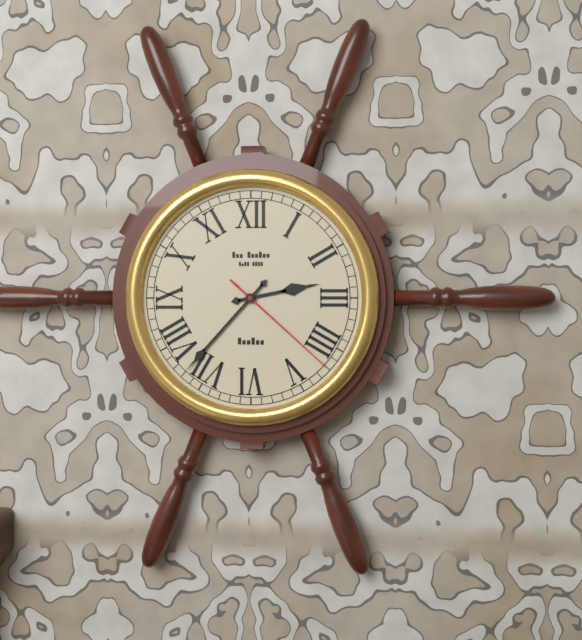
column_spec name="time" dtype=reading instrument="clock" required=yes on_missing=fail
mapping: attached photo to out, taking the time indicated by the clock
2:37:22
